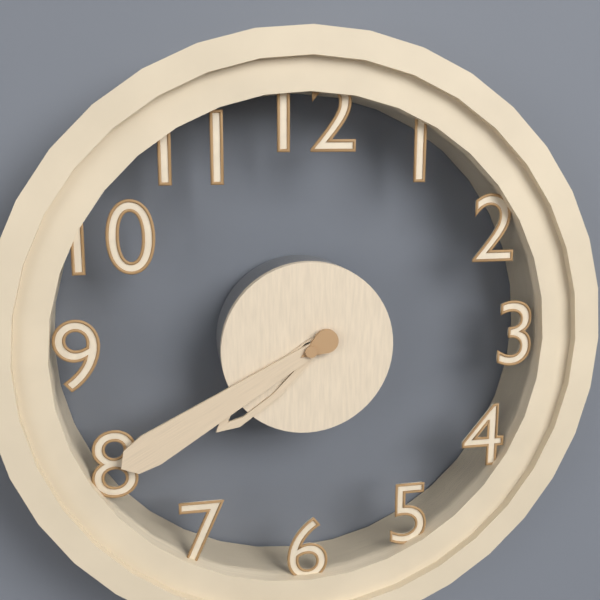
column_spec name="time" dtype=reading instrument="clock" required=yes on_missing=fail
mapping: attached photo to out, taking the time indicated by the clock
7:40
